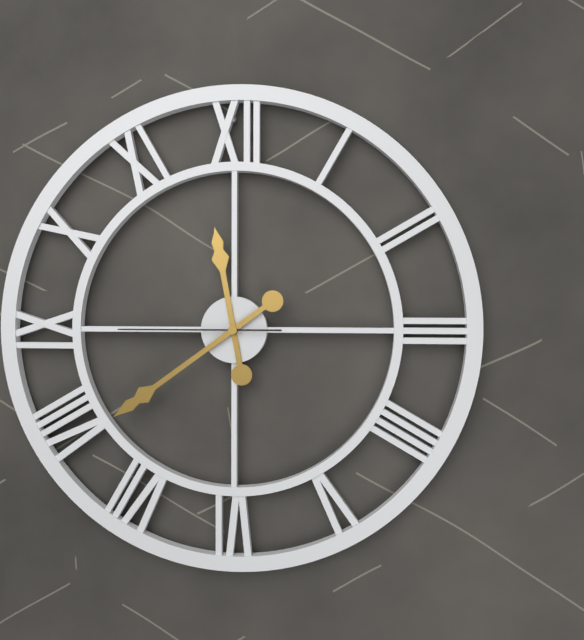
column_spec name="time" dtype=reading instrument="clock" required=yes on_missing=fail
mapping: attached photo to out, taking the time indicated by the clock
11:39:45
